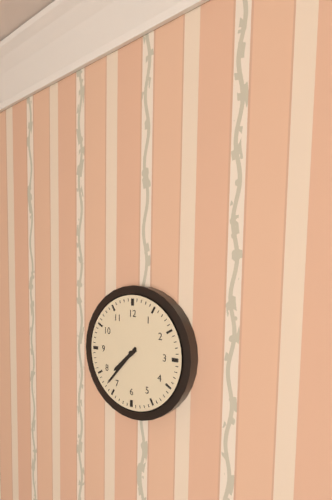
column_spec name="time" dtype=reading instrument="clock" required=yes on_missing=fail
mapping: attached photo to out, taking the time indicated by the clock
7:37
